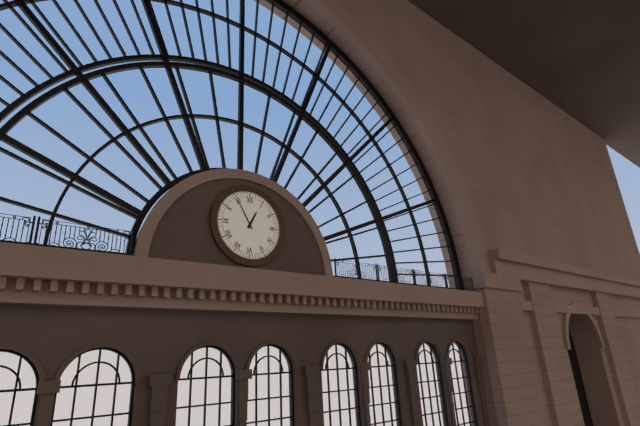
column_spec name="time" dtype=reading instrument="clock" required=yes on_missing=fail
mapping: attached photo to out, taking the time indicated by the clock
12:55
